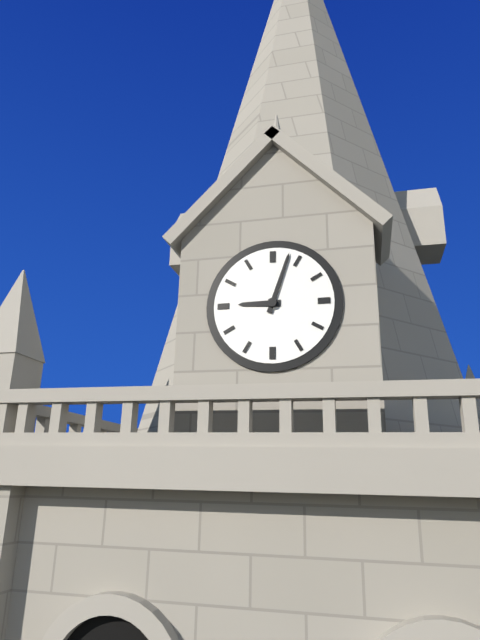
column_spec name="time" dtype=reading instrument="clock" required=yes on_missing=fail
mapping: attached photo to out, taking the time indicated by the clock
9:03
